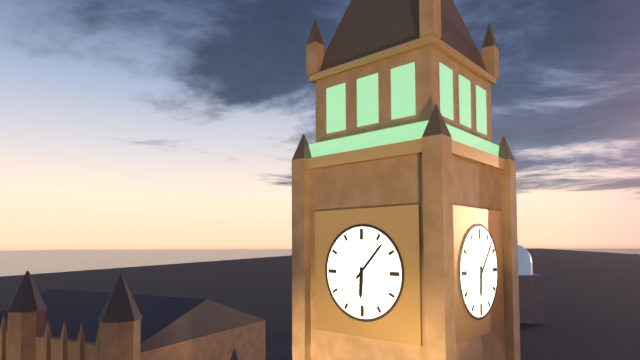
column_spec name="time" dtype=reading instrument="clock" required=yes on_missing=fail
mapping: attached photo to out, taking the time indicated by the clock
6:07
